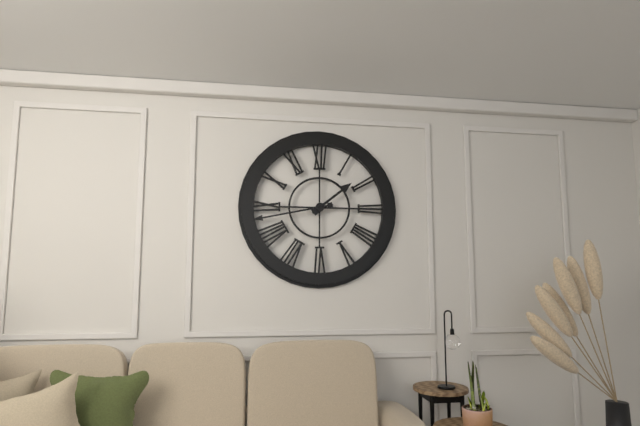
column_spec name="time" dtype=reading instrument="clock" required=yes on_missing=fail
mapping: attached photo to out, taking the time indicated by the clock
1:43
